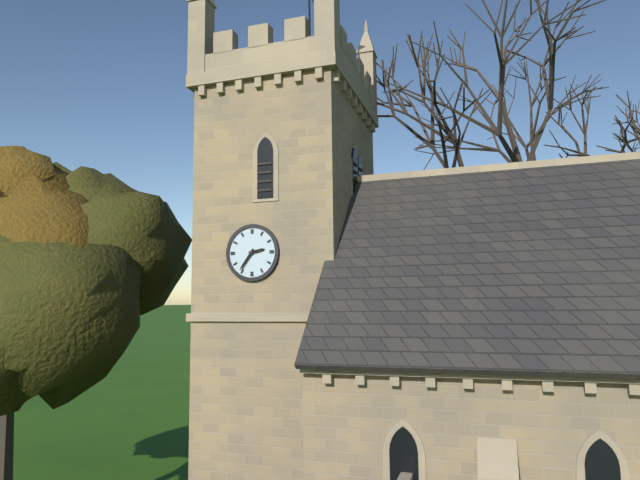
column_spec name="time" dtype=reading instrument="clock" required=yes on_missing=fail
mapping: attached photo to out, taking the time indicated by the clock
2:36
